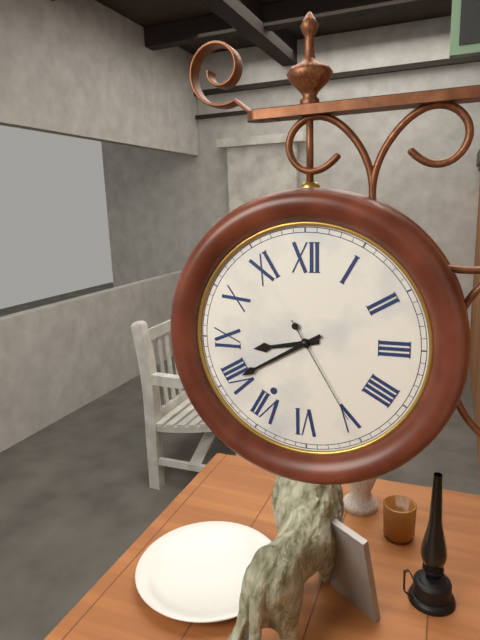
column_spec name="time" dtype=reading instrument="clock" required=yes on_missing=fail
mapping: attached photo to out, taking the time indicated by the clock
8:40:25
